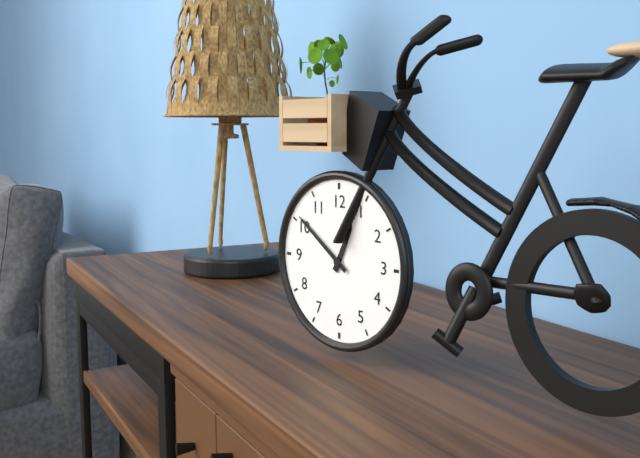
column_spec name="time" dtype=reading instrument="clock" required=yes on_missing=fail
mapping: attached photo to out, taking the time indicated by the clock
12:51
